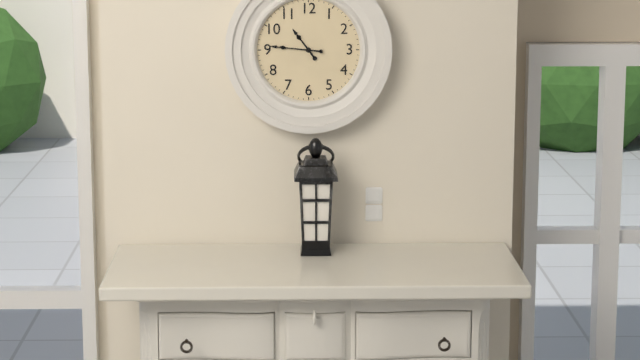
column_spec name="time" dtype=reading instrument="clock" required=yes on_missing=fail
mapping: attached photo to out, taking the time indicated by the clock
10:46
